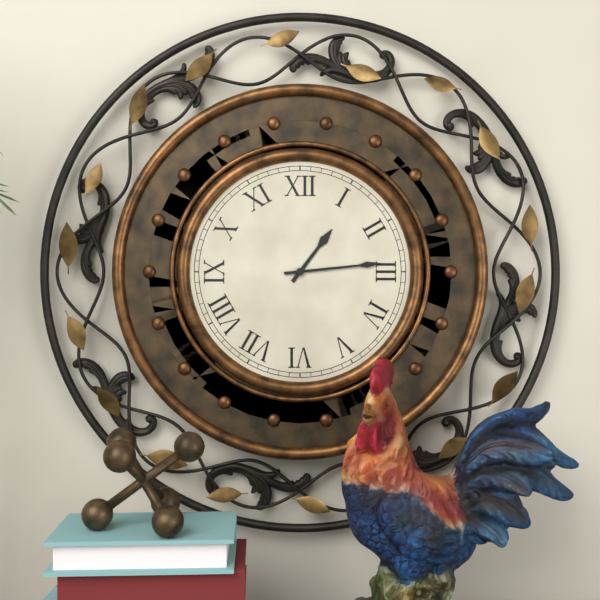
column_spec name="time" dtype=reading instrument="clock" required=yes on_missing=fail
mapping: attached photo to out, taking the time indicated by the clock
1:14
